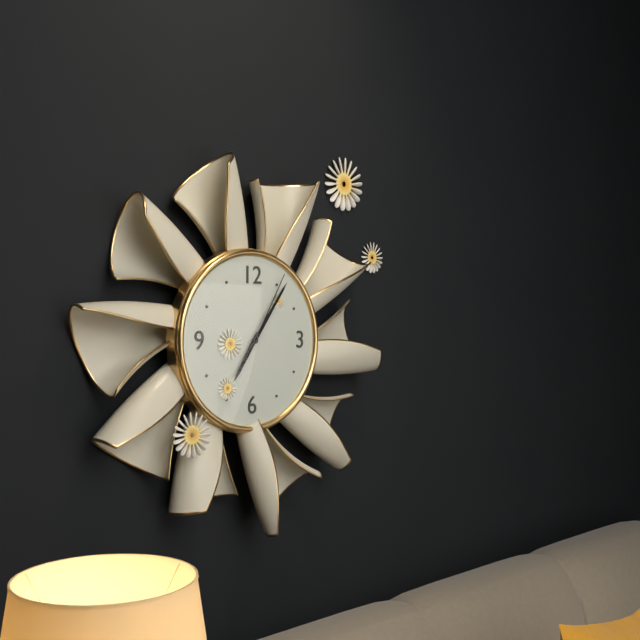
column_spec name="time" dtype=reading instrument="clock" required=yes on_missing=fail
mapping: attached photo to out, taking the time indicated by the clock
7:06:05
